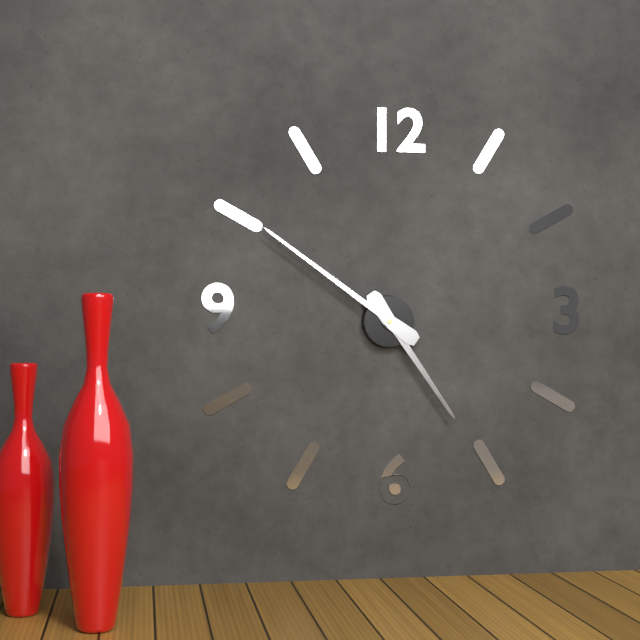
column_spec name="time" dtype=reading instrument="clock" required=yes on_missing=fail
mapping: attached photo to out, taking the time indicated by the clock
4:51
